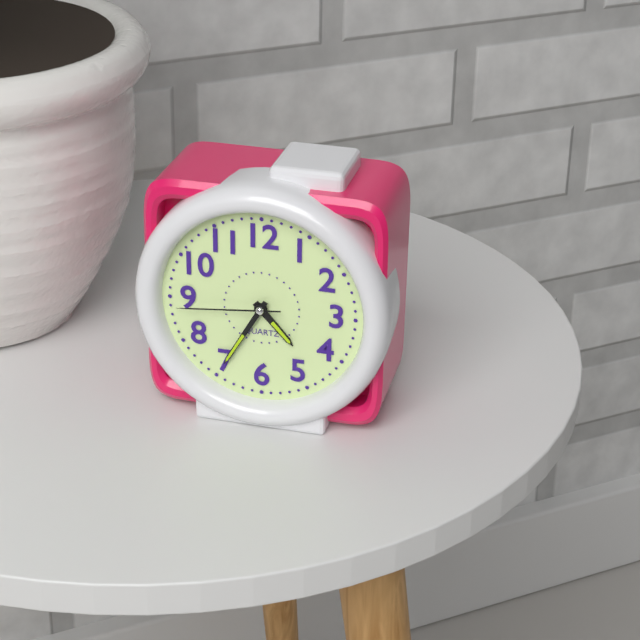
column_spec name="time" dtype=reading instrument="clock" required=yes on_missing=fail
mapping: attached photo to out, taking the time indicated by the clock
4:35:44
